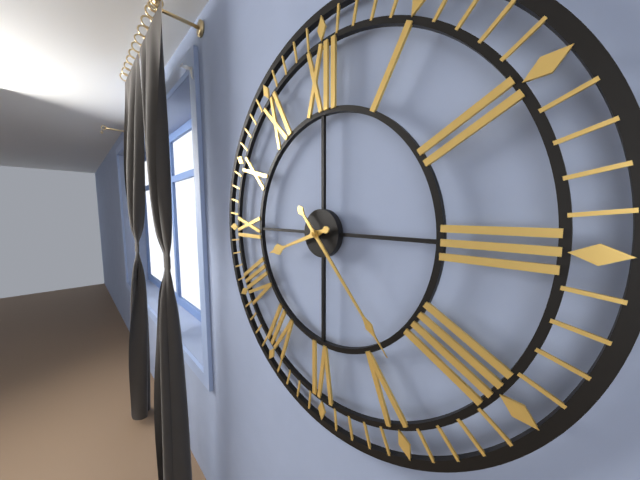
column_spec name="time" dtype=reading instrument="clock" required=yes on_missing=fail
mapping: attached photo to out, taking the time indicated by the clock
8:23
